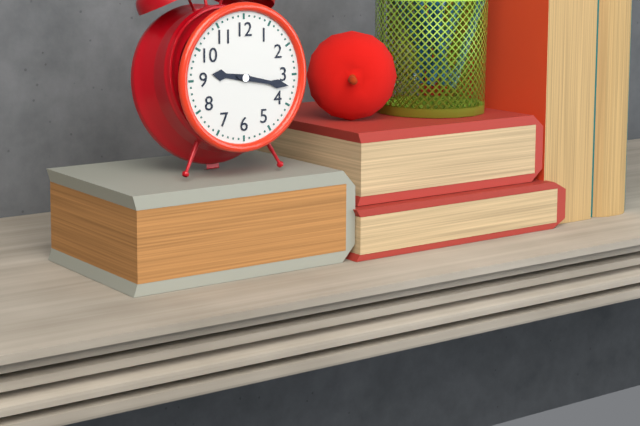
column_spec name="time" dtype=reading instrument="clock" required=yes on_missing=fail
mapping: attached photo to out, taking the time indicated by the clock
9:17
